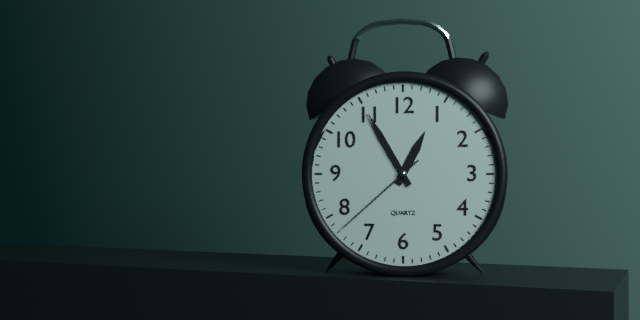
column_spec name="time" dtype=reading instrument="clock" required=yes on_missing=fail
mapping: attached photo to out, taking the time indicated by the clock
12:55:38
